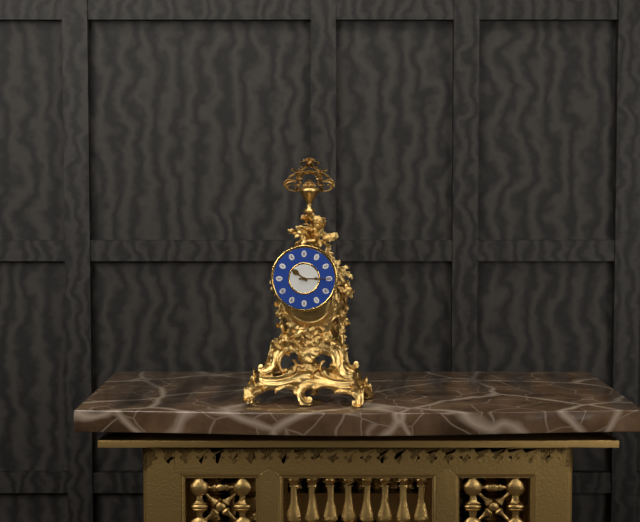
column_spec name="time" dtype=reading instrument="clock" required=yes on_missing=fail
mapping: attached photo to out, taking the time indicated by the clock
10:15
